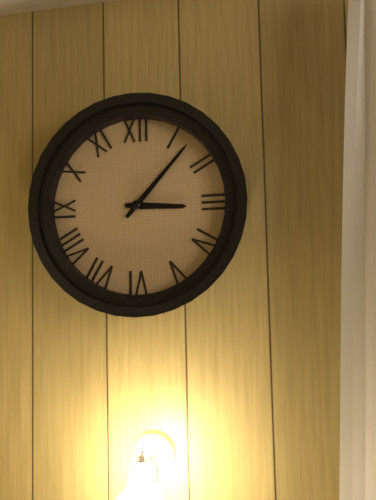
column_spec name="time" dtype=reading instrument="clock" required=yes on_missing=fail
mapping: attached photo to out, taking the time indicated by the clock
3:07
